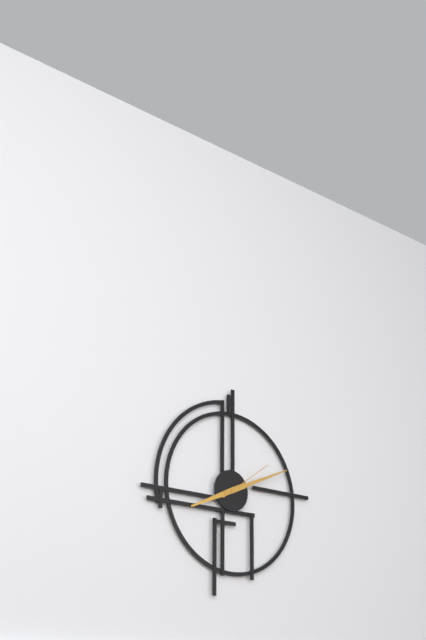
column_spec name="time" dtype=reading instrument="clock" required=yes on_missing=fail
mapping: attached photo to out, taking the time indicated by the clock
8:11:09
